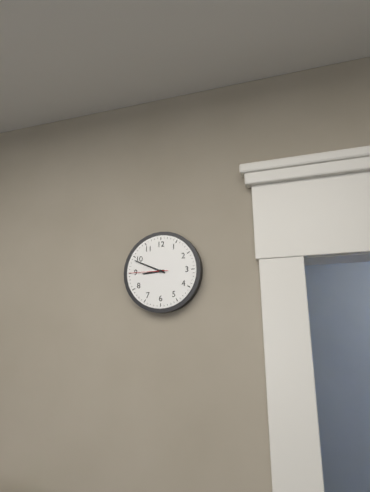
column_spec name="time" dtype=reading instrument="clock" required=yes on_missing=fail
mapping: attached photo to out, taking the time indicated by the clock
8:49
